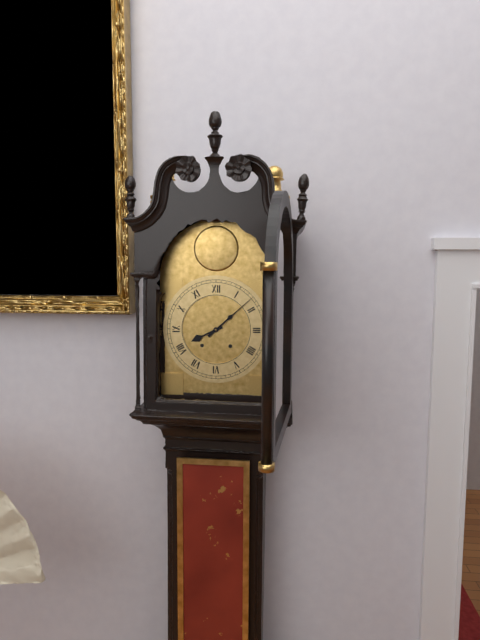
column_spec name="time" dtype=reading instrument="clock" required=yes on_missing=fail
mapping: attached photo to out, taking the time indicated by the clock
8:08
